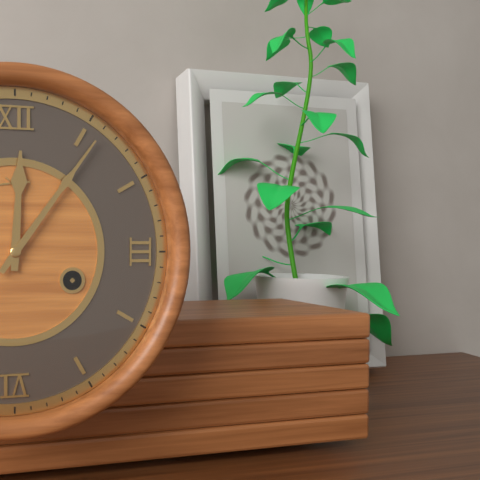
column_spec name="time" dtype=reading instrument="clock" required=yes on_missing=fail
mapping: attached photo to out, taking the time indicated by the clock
12:06
